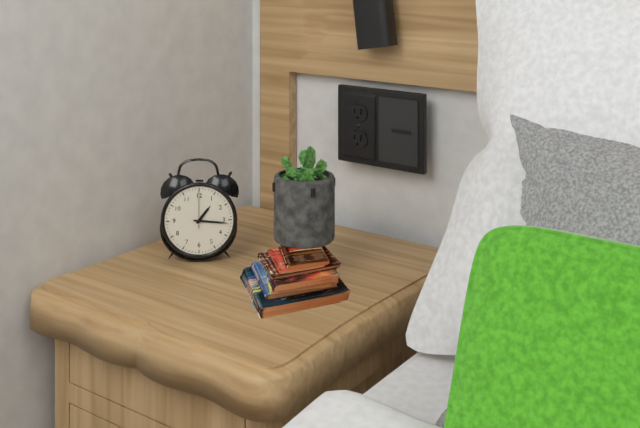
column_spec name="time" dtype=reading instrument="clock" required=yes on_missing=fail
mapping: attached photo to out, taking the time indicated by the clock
1:16
